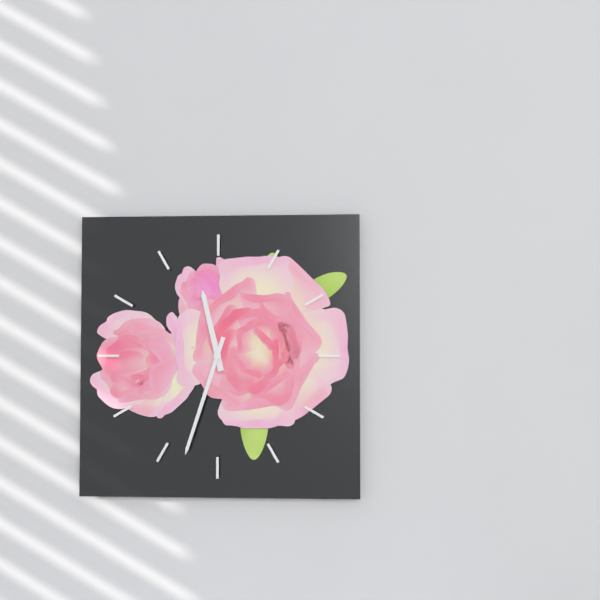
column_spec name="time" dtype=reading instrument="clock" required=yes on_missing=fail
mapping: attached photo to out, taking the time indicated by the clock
11:33
